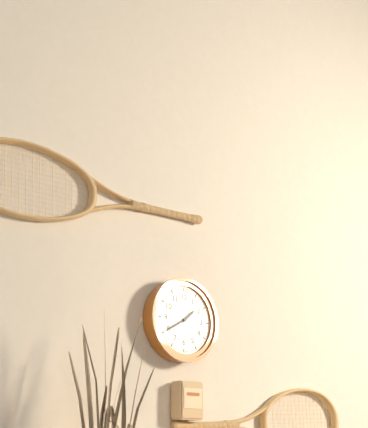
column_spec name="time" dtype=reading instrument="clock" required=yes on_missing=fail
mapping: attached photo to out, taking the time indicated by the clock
1:40
